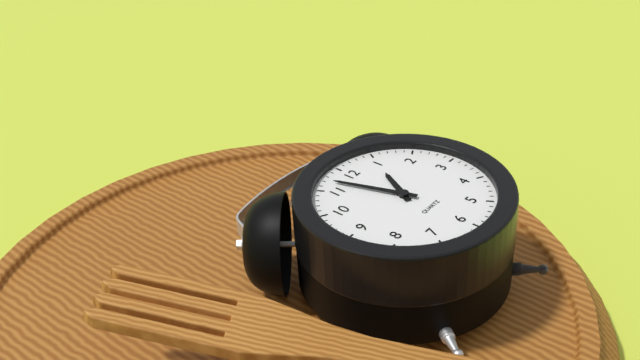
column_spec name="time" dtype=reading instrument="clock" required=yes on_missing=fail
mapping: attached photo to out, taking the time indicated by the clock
12:57
